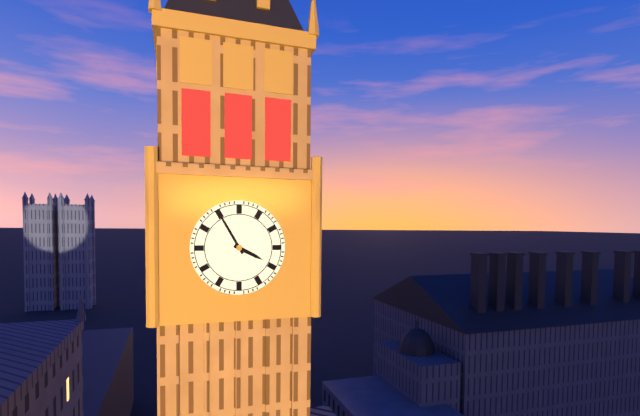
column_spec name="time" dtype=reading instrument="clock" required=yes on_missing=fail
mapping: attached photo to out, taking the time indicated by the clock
3:55
